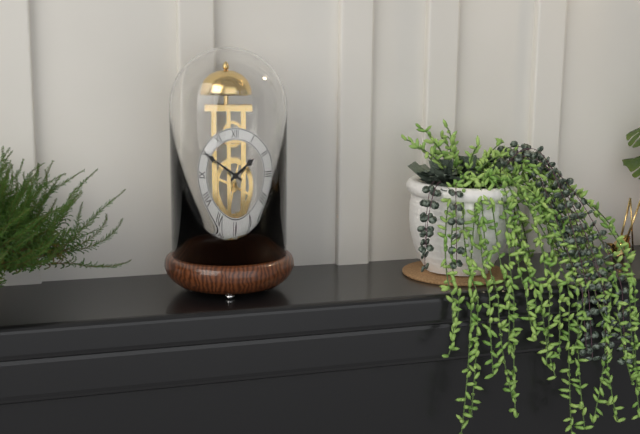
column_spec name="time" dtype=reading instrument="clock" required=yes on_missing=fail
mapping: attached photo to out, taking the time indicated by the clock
1:50
